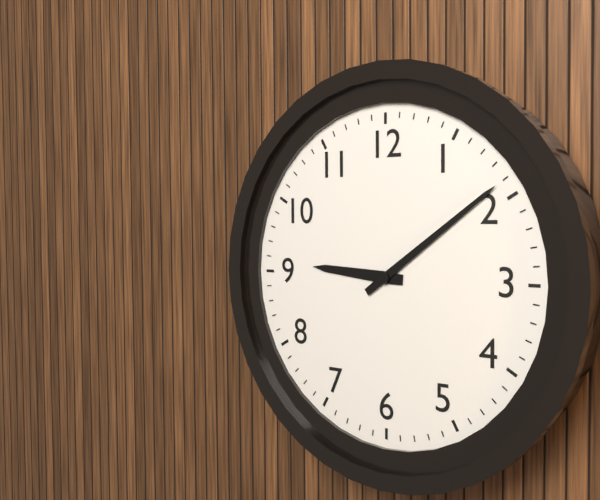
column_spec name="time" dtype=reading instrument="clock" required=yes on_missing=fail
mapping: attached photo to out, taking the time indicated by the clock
9:09
